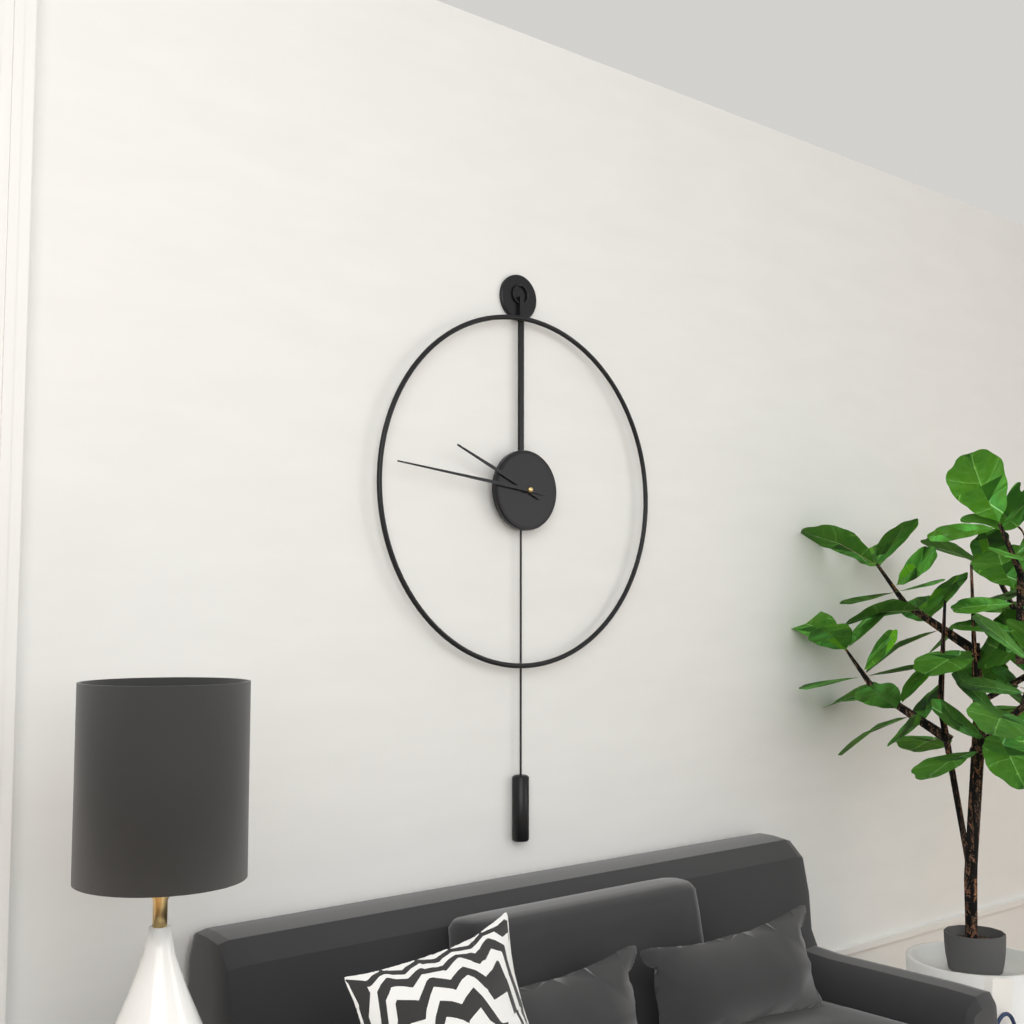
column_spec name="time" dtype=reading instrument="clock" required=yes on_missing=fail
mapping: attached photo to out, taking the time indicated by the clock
9:46
